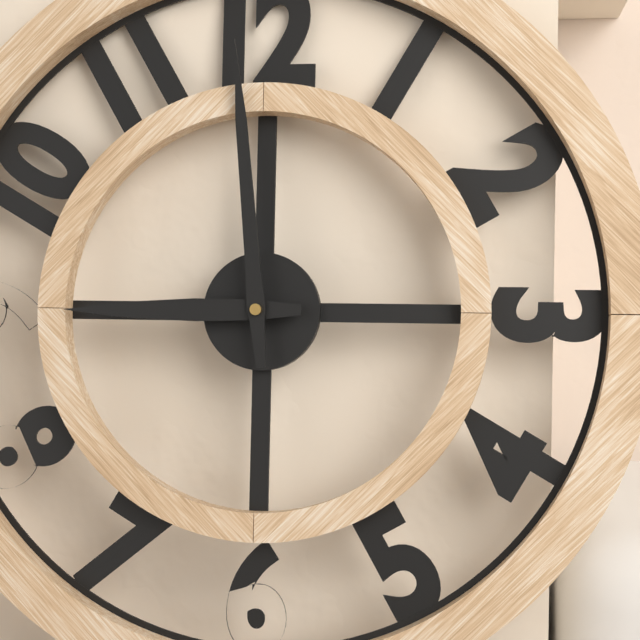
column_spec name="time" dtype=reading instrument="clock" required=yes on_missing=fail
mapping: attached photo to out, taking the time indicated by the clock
8:59
